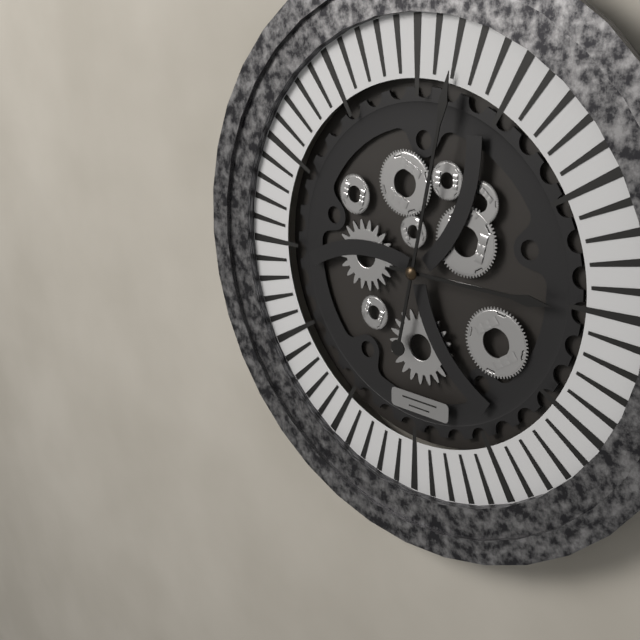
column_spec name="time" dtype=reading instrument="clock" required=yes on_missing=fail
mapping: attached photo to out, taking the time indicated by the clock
3:02
